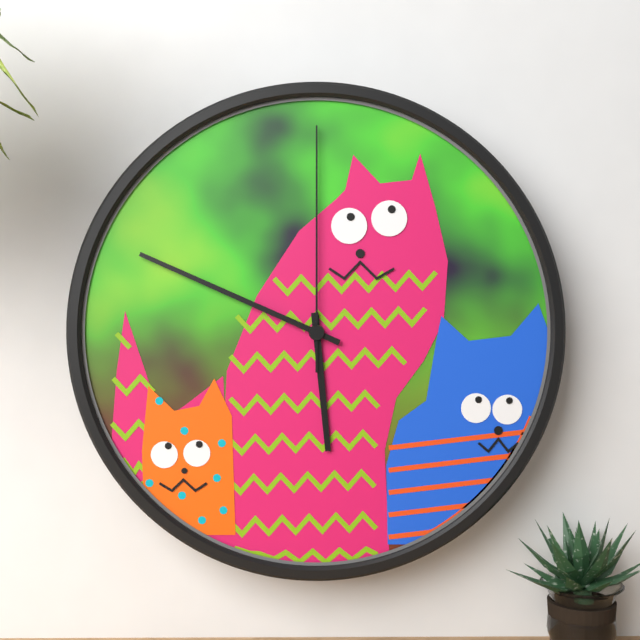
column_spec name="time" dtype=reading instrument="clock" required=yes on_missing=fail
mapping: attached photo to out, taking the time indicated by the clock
5:49:00
